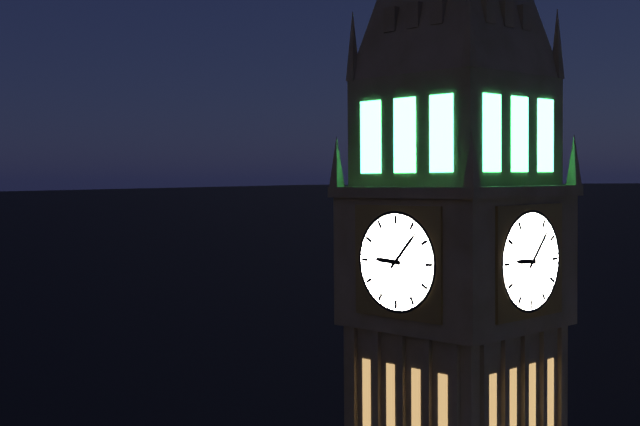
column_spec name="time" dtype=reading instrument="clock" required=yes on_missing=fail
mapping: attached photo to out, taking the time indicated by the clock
9:07
